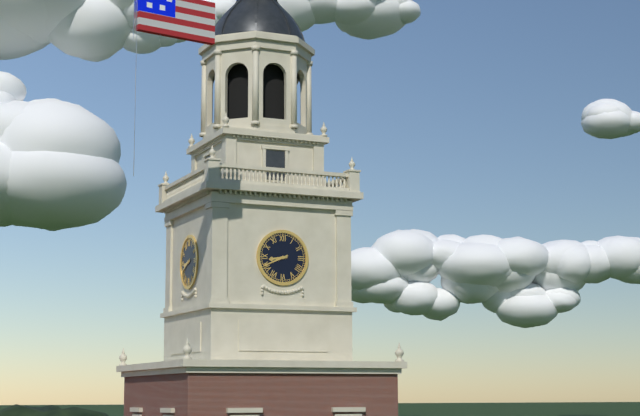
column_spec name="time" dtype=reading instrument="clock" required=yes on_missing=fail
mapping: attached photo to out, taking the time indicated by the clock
8:41
